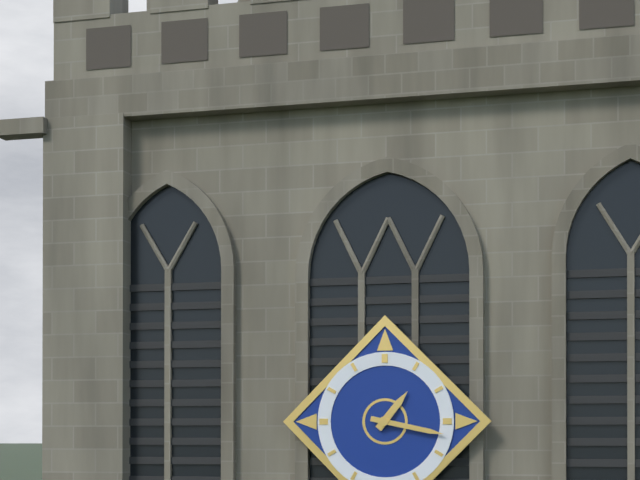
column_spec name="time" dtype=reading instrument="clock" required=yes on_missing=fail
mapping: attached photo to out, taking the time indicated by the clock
1:17
